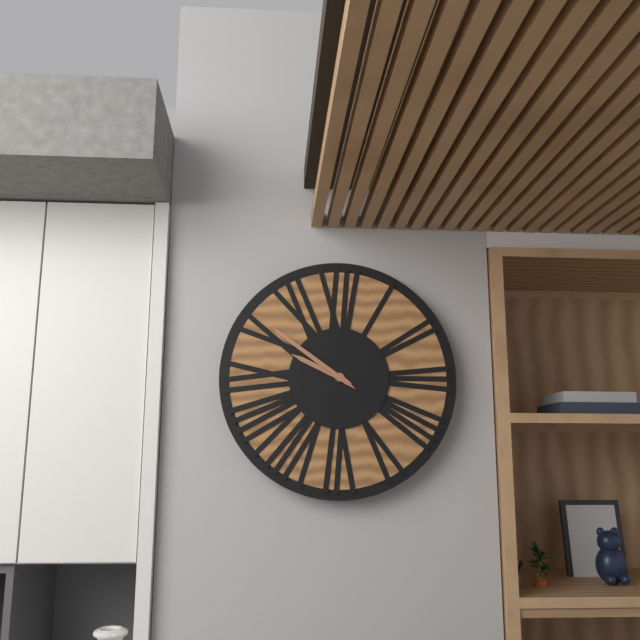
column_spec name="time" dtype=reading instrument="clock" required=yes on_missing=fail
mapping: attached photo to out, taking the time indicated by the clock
9:51
